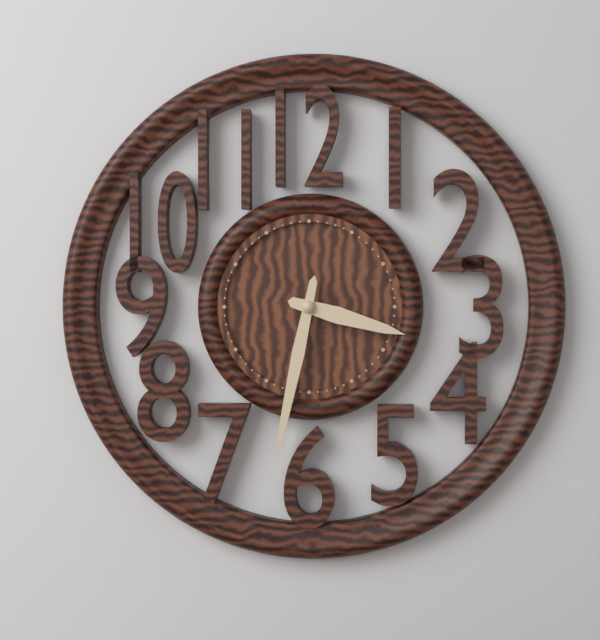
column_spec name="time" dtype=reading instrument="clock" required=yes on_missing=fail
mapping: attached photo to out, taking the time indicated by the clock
3:32
